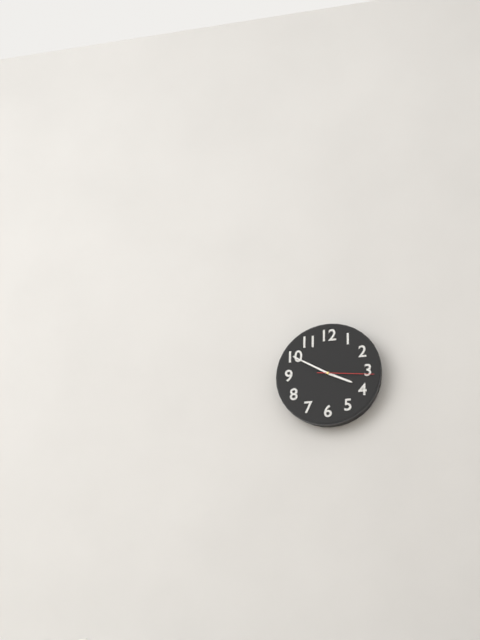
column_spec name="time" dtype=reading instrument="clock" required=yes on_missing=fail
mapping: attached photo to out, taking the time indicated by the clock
3:50:16
